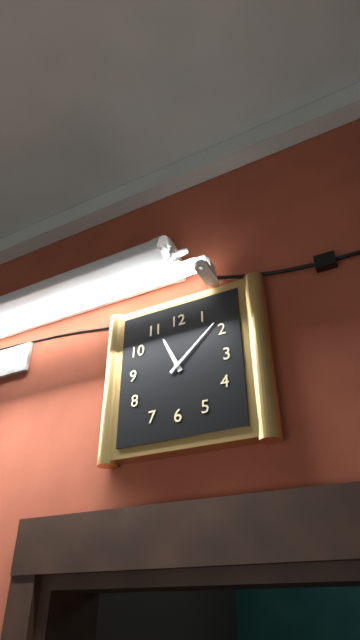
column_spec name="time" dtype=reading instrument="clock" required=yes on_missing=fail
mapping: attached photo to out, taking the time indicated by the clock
11:08
